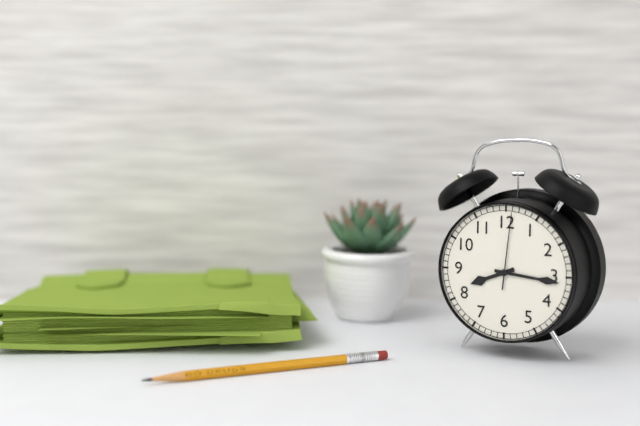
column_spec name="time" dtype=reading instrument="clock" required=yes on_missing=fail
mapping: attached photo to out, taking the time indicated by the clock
8:16:01
